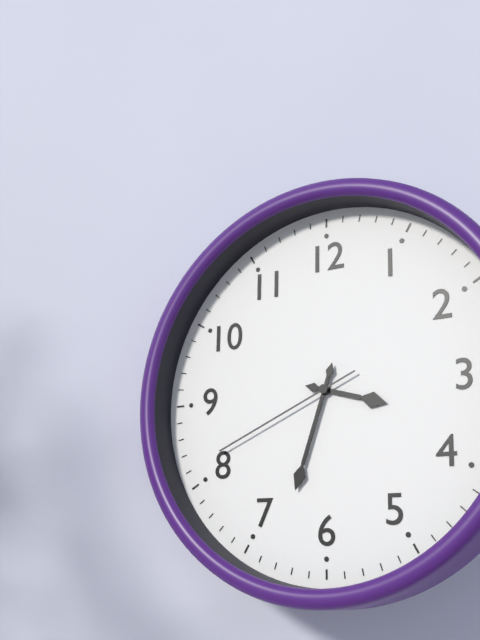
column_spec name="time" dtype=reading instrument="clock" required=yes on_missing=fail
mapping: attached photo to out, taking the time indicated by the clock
3:33:41
